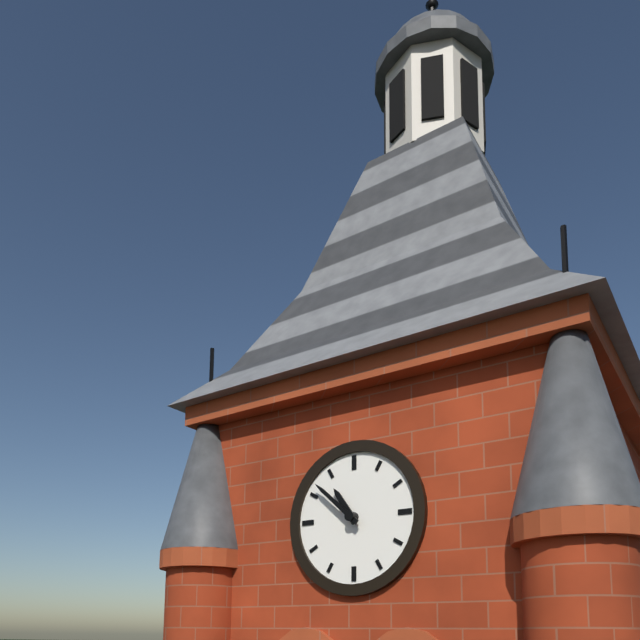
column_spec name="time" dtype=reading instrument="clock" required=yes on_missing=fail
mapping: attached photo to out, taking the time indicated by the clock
10:52
